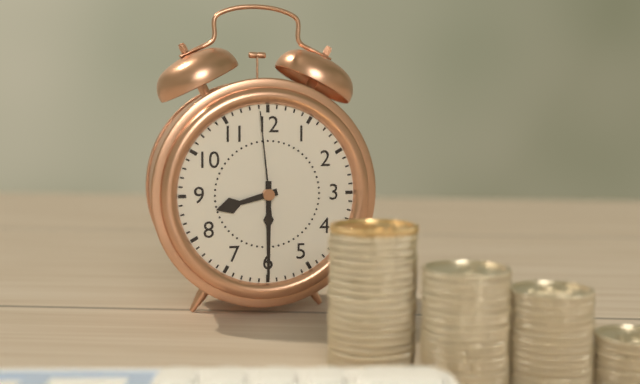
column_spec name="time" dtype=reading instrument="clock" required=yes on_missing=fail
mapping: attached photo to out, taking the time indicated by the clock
8:30:59
